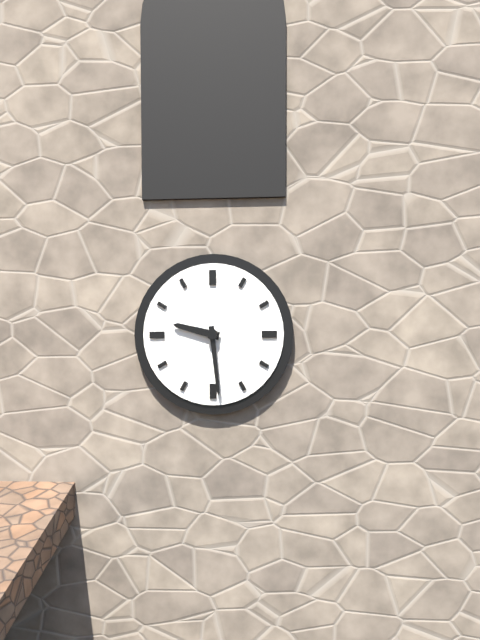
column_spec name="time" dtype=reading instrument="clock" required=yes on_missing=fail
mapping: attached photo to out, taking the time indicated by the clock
9:29
